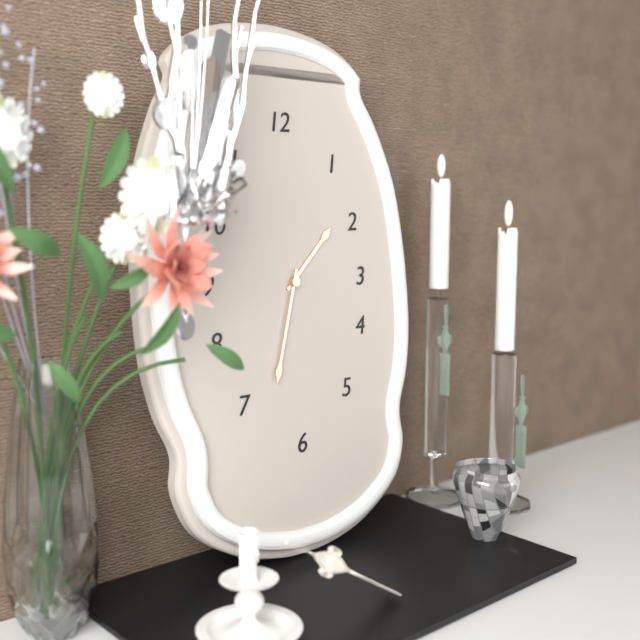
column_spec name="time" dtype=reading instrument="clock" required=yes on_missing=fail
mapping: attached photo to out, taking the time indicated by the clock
1:33
